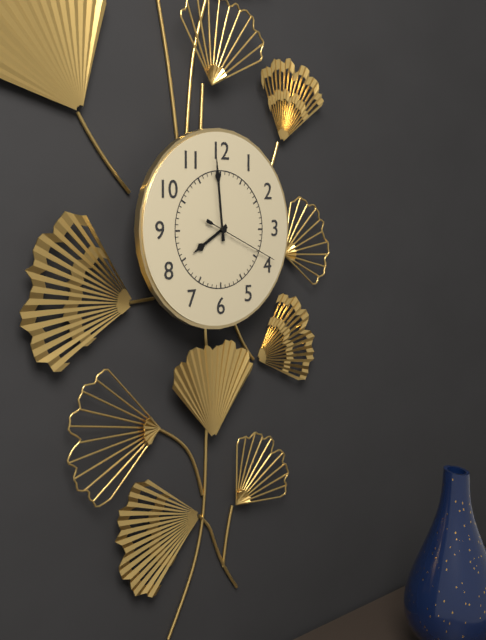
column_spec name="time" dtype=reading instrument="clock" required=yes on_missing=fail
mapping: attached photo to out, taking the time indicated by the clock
7:59:19
